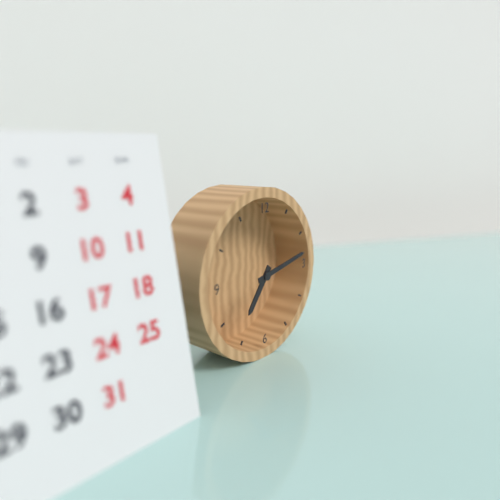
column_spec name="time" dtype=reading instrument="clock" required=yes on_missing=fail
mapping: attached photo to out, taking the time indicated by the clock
7:13
